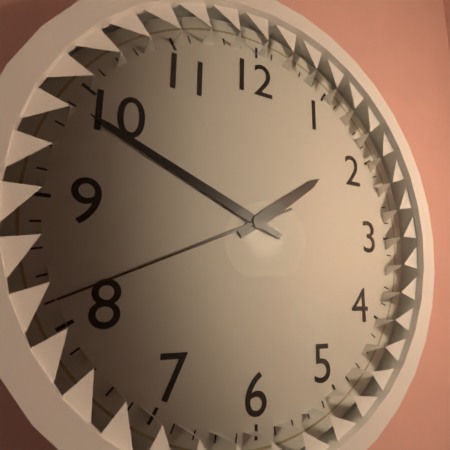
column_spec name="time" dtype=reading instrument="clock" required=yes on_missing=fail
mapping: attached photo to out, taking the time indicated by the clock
1:49:41
